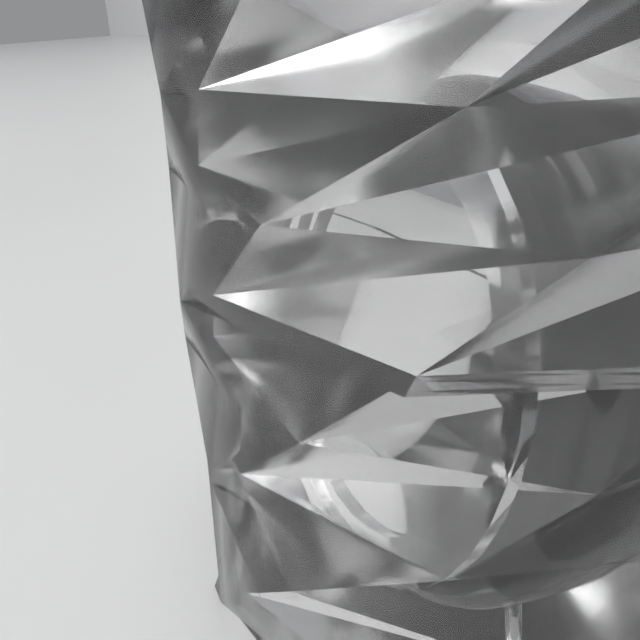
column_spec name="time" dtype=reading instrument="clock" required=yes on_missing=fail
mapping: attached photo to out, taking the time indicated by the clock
7:06:56
